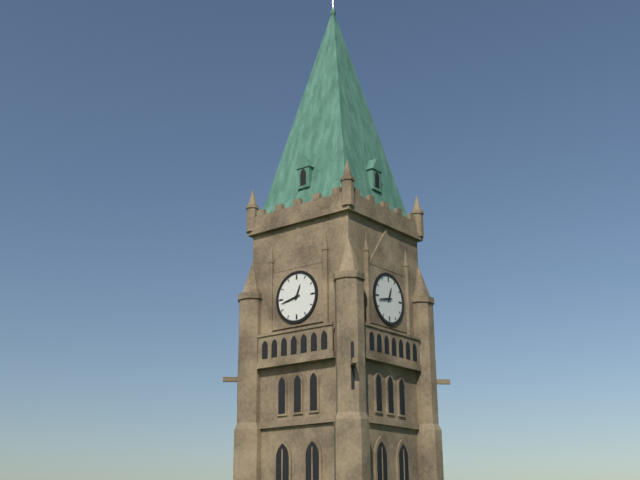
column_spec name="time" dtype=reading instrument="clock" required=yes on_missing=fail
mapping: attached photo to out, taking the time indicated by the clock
12:43
